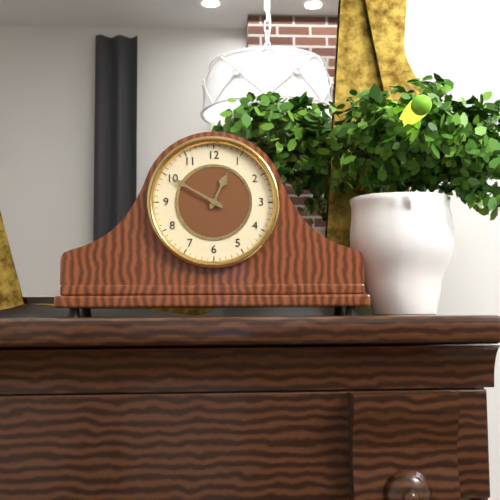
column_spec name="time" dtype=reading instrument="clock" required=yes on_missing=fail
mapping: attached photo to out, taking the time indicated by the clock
12:50
